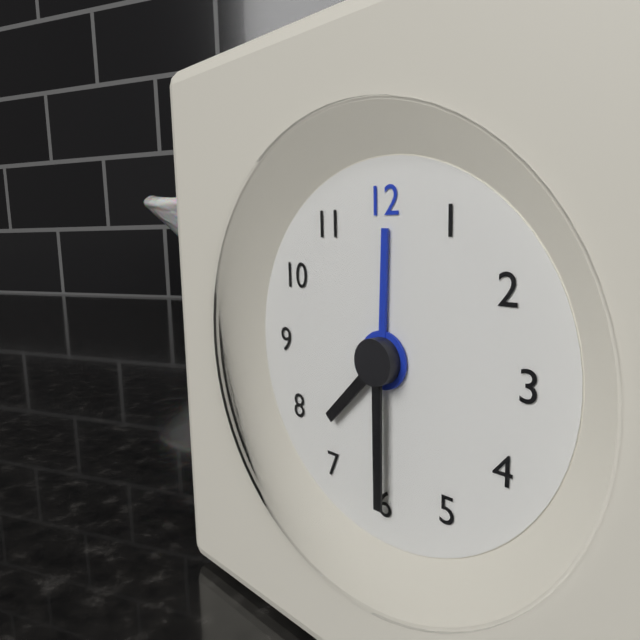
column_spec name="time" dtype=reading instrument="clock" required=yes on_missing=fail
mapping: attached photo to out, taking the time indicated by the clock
7:30
